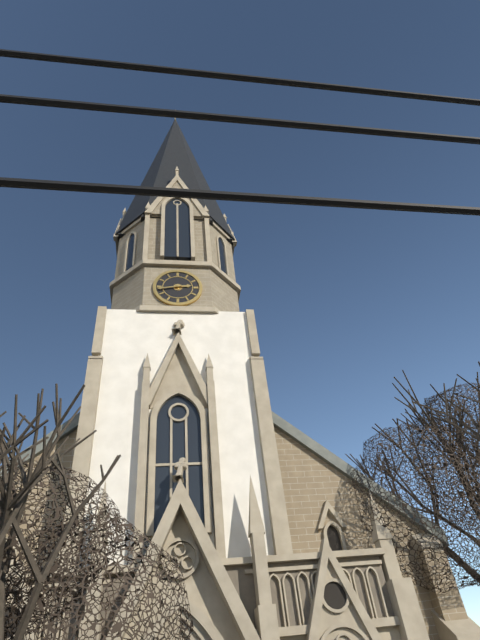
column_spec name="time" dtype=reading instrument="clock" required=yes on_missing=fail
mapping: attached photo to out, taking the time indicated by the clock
2:43
